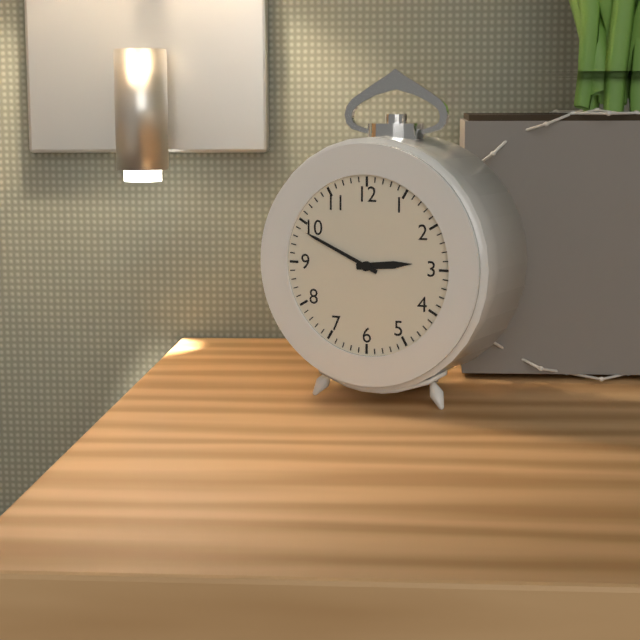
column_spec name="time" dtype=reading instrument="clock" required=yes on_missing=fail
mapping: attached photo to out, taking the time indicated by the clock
2:49
